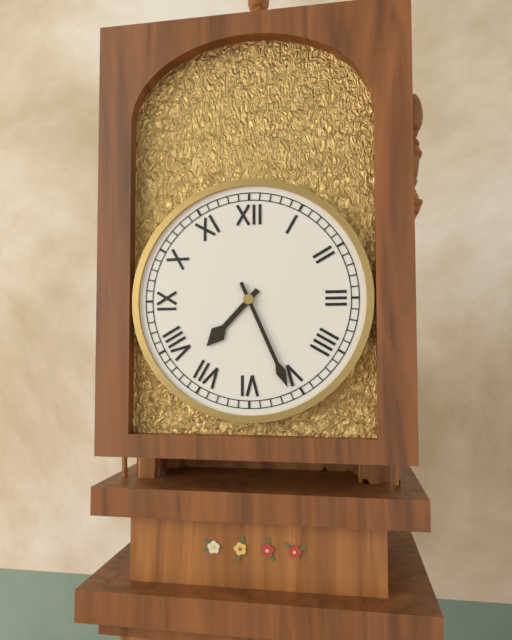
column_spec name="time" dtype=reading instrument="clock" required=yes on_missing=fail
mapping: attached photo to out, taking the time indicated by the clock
7:26
